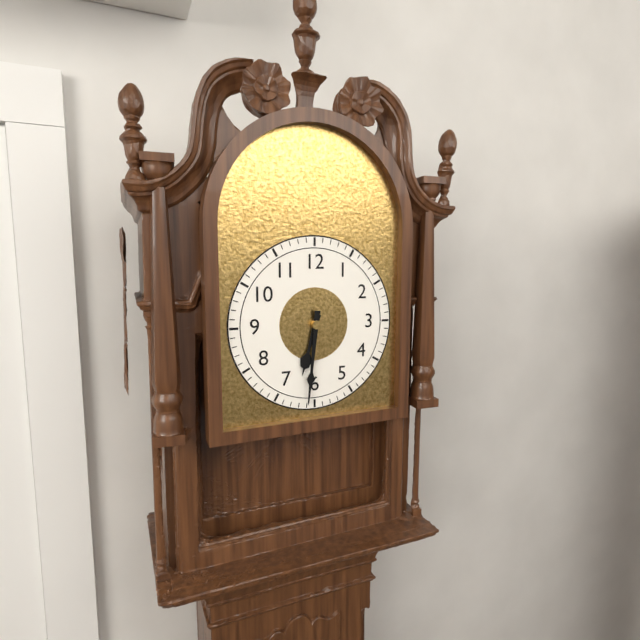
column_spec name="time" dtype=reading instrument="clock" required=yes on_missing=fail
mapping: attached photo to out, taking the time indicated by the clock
6:31
